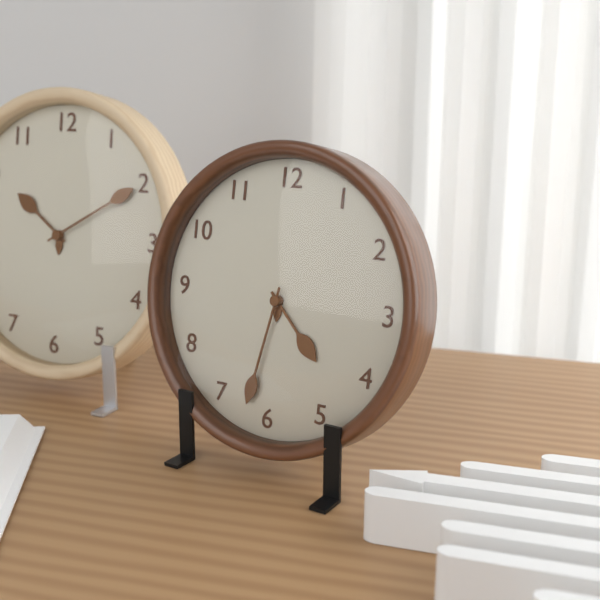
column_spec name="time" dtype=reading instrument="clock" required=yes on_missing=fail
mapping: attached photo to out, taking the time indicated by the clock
4:32
